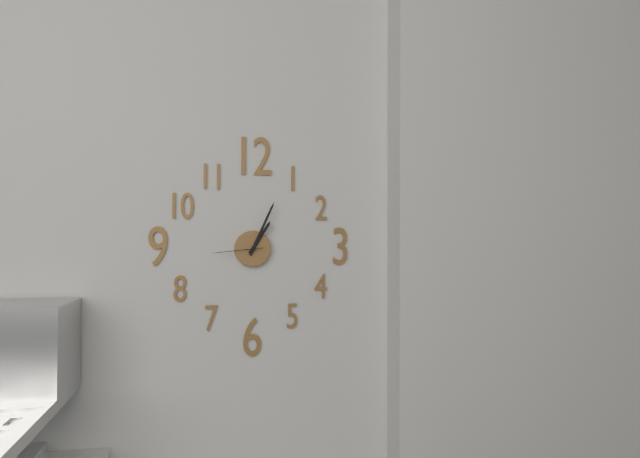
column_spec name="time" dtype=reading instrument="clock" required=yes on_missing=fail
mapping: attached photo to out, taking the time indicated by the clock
1:04:44
